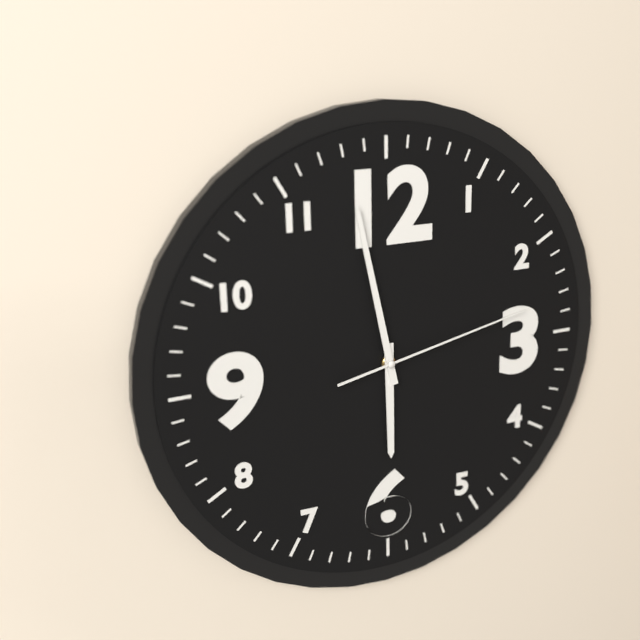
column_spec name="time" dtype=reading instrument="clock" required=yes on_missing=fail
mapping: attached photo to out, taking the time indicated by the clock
5:58:13
